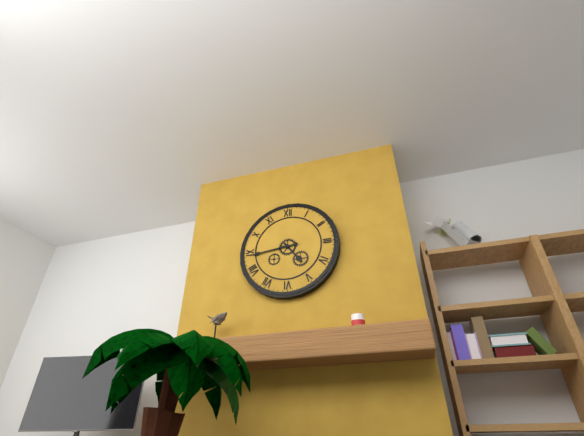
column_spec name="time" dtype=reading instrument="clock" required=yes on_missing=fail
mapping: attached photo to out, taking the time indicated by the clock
4:44
